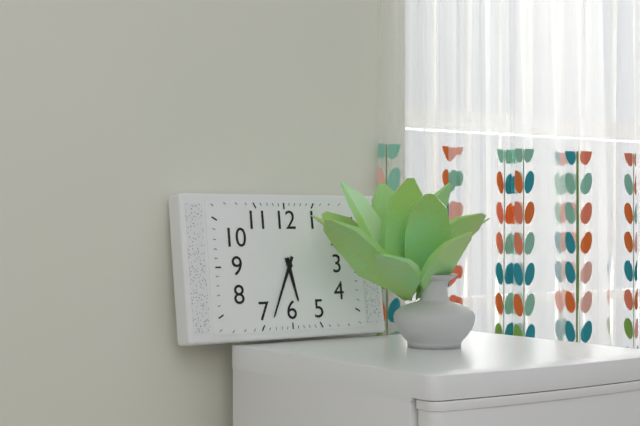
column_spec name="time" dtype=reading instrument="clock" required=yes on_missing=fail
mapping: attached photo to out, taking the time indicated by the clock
5:34
